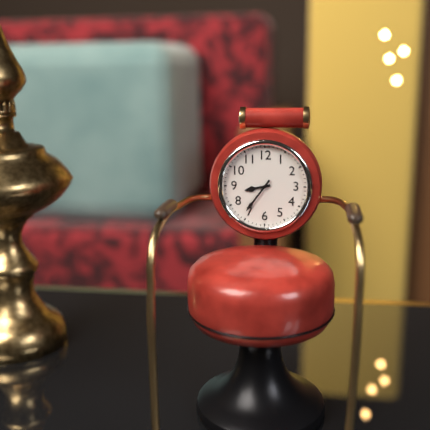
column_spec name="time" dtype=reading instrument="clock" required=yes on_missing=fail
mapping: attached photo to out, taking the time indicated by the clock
8:36
